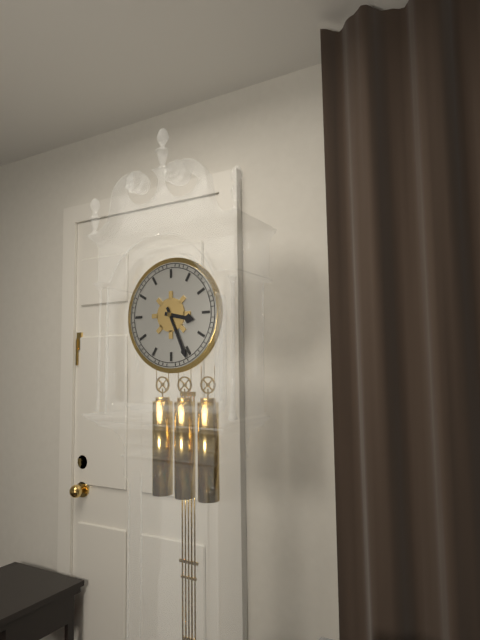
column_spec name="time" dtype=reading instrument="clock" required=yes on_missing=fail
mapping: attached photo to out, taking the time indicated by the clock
3:26
